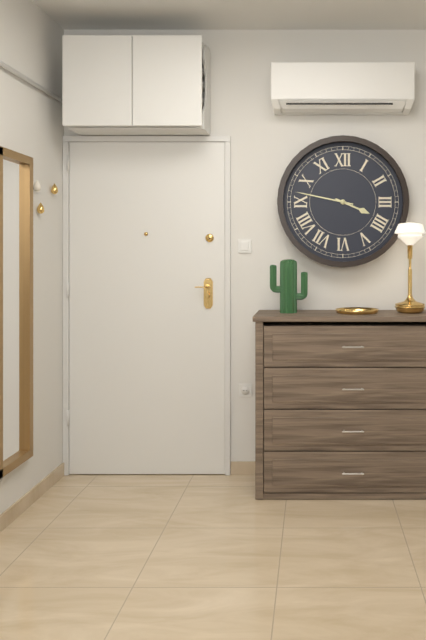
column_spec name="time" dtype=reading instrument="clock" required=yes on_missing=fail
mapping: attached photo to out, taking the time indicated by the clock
3:47
